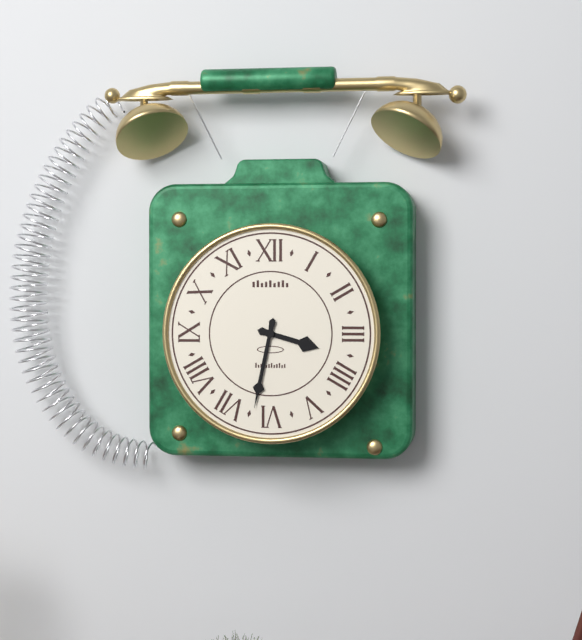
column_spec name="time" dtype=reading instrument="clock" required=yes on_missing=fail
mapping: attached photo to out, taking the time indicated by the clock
3:32
